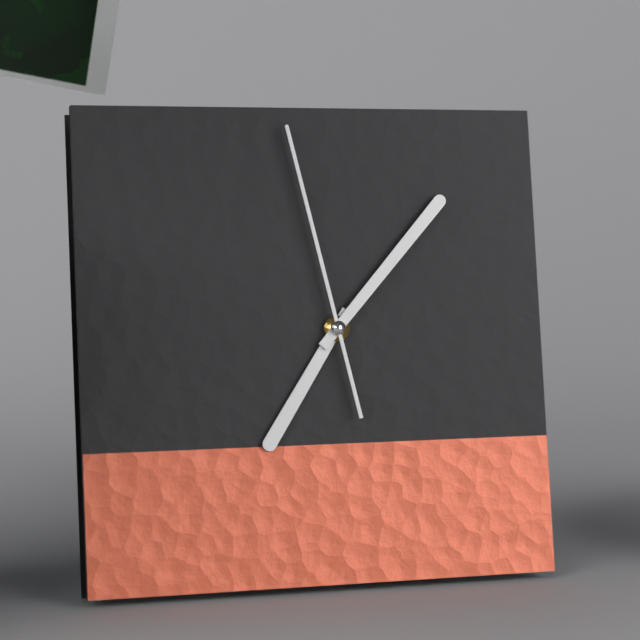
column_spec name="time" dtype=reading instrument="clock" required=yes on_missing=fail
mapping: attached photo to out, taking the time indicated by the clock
7:07:58
